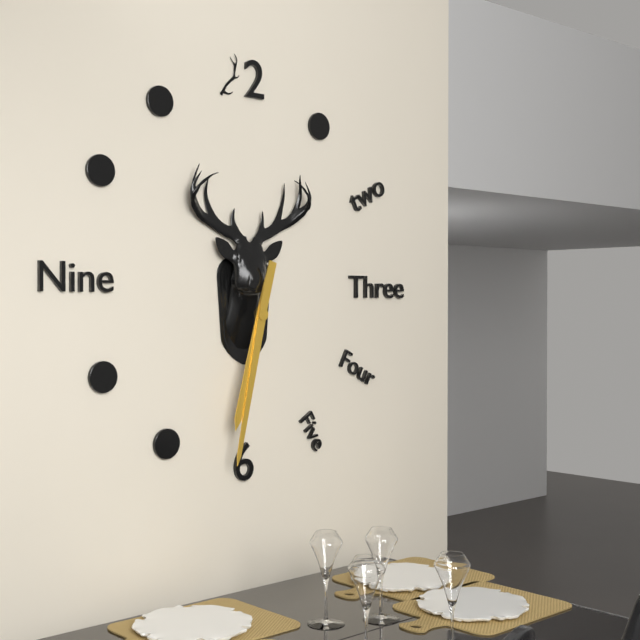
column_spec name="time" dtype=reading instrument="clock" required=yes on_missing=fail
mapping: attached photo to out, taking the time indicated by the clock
6:32
